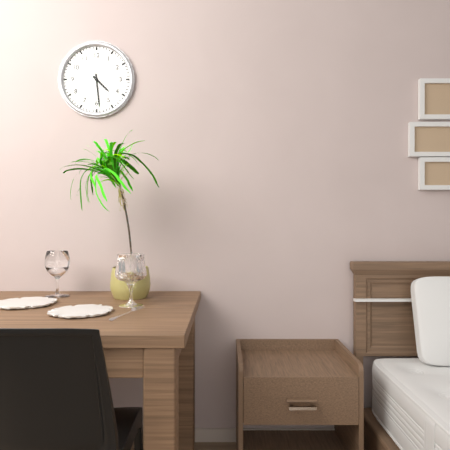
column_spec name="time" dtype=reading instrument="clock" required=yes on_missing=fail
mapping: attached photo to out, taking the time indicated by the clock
4:29
